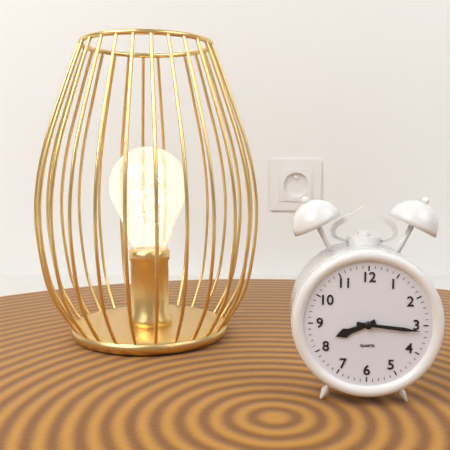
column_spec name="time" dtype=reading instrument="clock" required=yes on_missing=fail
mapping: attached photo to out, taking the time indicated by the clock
8:16
